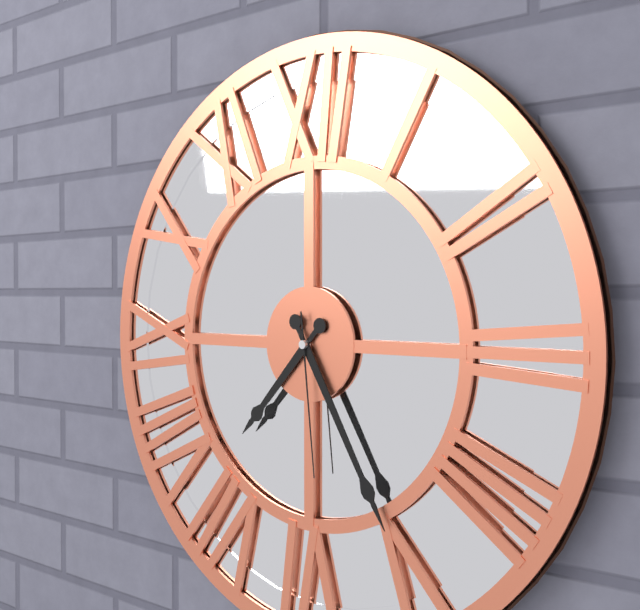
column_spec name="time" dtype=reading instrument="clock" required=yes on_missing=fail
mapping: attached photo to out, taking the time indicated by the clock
7:25:29
